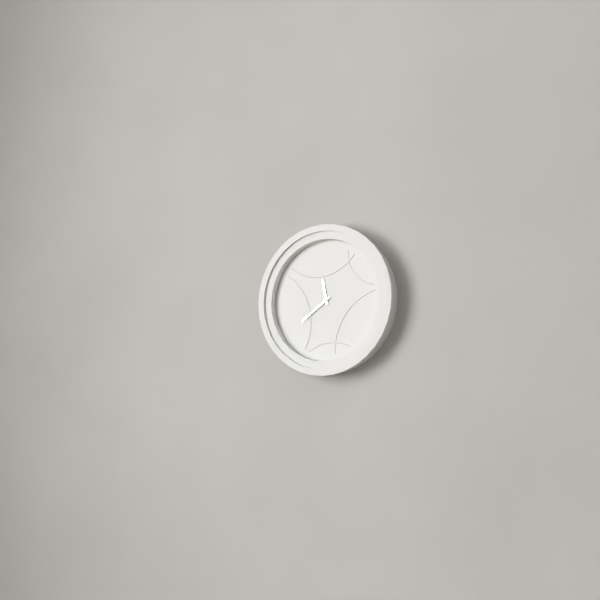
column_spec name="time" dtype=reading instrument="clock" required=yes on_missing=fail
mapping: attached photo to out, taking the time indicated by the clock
11:39
